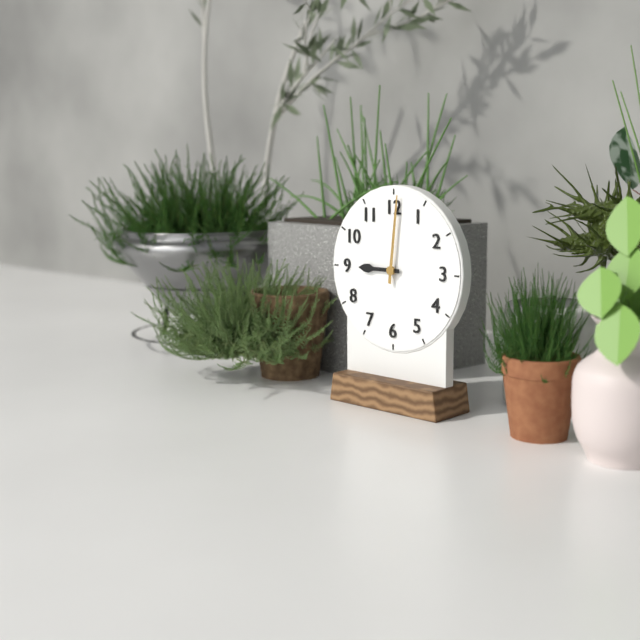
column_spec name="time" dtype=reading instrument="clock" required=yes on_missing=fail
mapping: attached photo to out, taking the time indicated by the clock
9:01
